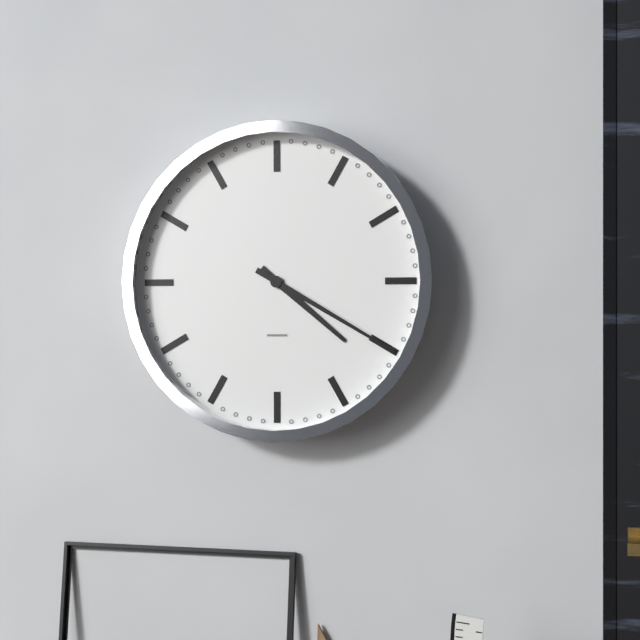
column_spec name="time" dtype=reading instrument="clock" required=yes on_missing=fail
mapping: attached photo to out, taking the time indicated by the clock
4:20
